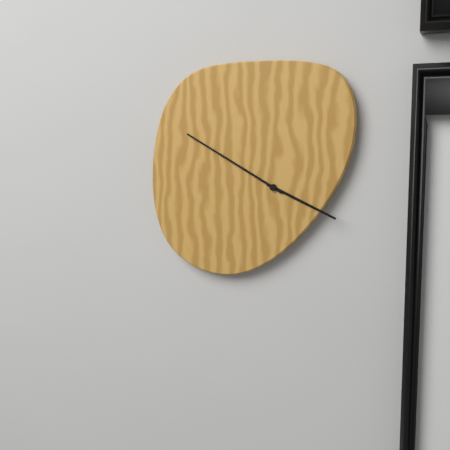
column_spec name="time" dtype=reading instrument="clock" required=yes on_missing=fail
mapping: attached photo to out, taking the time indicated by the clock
3:50
